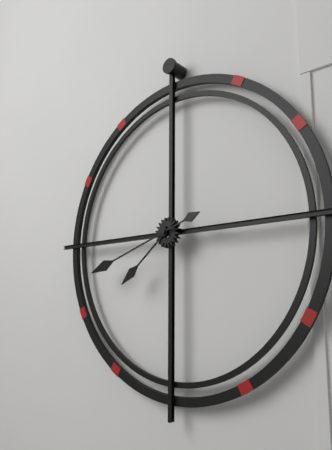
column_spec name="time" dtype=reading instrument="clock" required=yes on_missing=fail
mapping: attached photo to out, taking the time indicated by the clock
7:42
